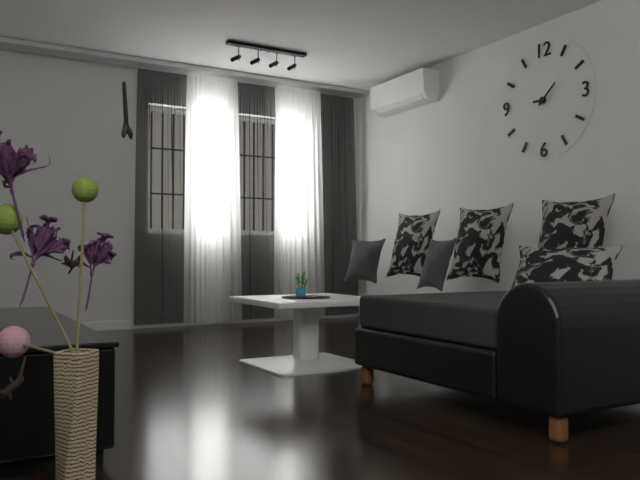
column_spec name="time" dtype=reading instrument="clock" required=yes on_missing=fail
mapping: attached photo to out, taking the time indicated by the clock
9:08
